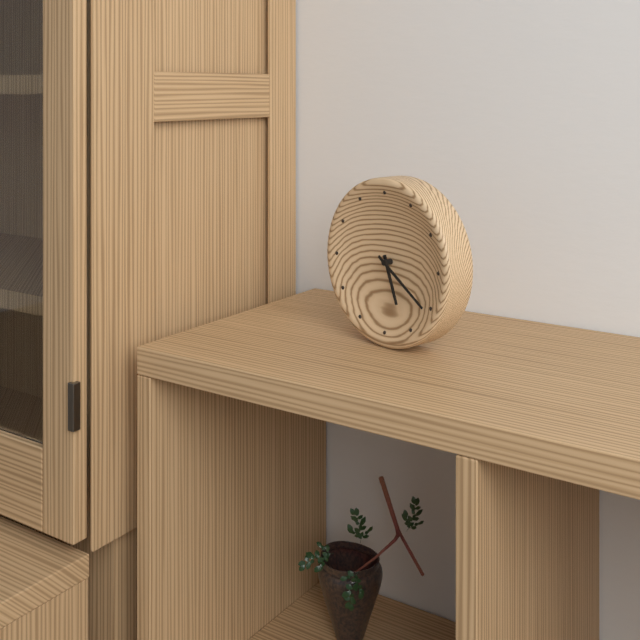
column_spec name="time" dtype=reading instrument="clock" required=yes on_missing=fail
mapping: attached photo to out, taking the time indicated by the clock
5:21
